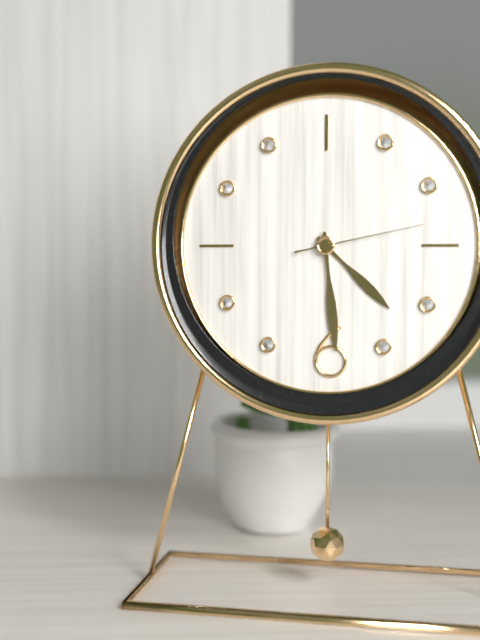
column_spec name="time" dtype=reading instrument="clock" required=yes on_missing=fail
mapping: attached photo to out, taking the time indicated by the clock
4:29:13
